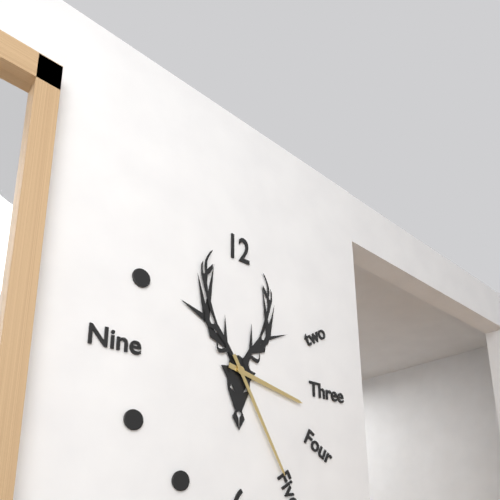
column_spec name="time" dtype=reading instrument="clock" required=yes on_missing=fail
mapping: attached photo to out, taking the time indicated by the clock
3:25
